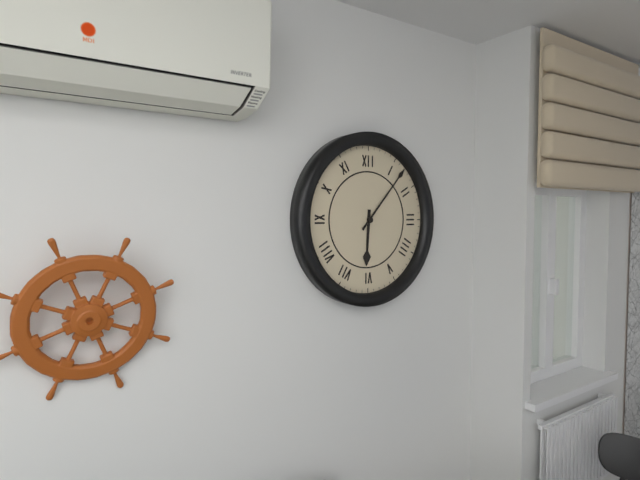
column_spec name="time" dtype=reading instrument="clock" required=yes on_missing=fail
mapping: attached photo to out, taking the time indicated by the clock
6:07
